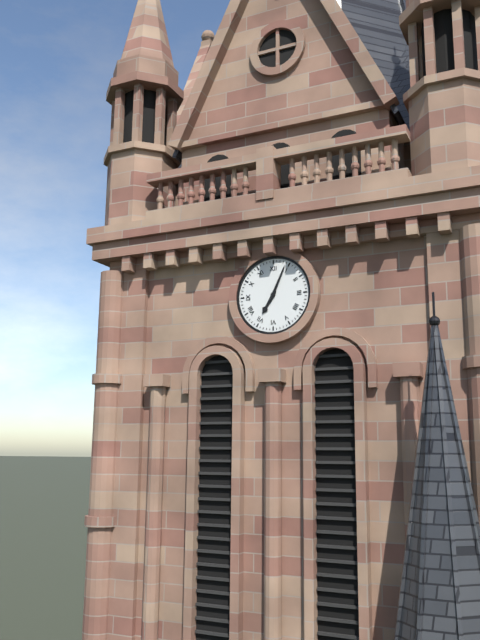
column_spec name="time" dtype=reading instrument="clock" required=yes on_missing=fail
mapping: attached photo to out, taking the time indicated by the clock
7:04
